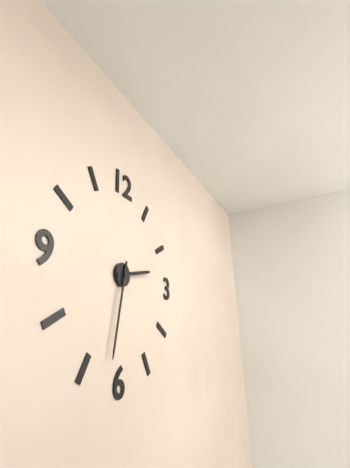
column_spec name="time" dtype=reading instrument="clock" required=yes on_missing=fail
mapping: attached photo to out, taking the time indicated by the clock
2:32
